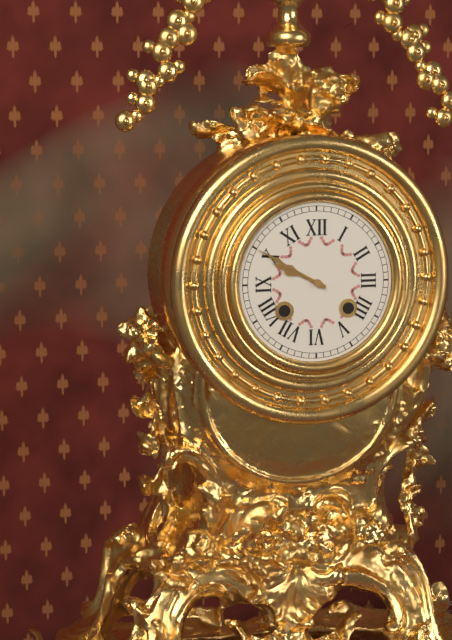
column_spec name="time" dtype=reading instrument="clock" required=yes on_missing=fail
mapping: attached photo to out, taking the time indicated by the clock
9:50
